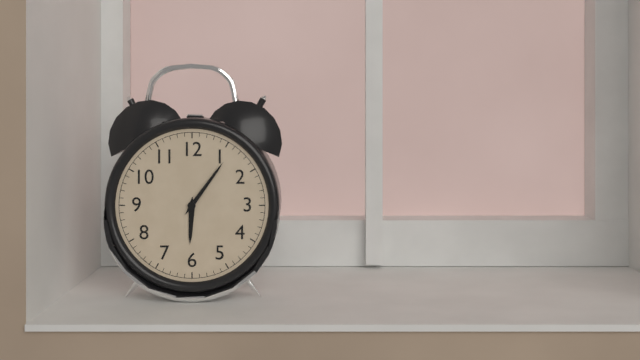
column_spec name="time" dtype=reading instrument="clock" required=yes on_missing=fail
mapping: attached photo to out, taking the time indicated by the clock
6:06
